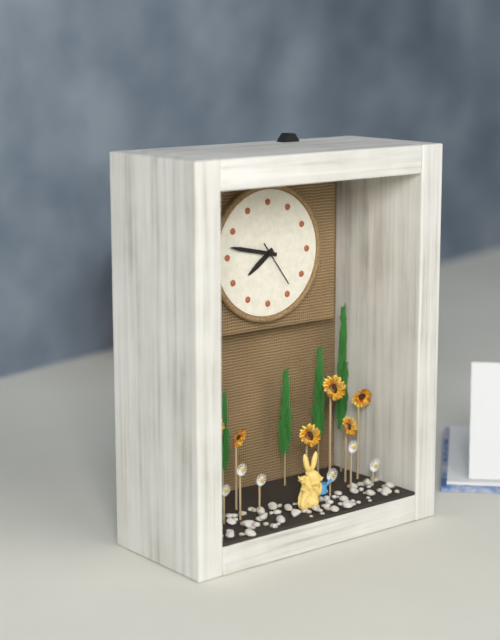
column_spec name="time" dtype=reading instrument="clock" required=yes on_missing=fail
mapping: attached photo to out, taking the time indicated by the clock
7:47
